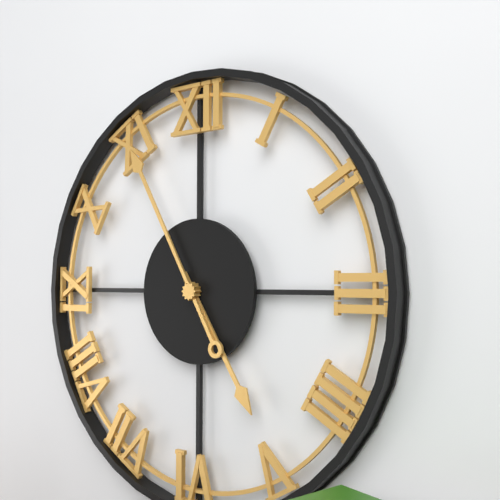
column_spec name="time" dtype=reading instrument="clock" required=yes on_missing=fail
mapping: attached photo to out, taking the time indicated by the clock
4:55
